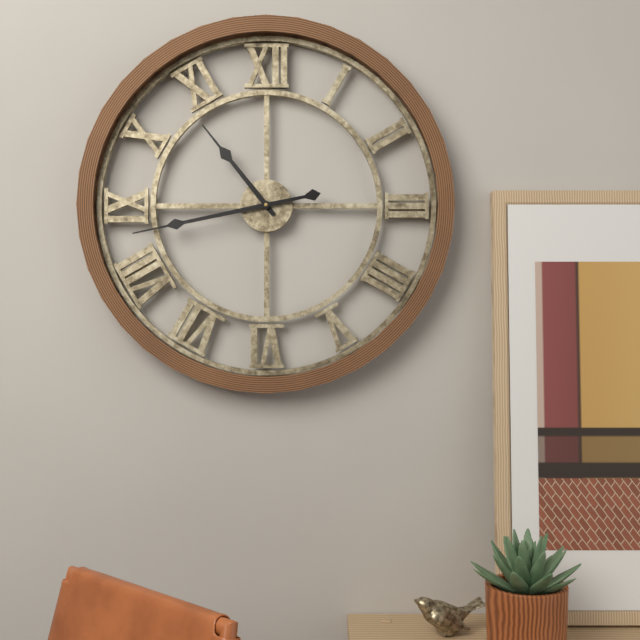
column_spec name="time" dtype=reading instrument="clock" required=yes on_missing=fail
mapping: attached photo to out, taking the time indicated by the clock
10:43
